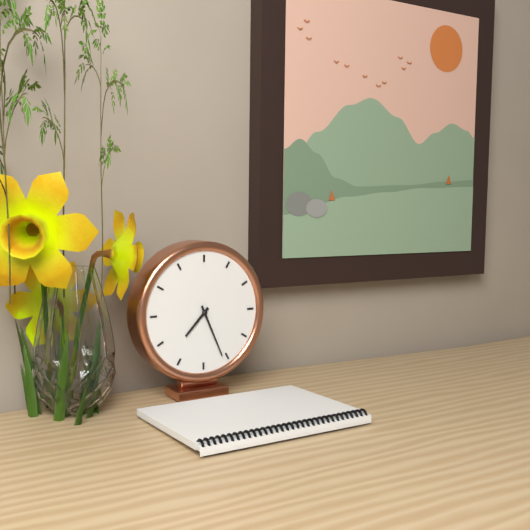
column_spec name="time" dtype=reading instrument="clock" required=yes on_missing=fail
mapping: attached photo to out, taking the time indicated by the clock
7:26
